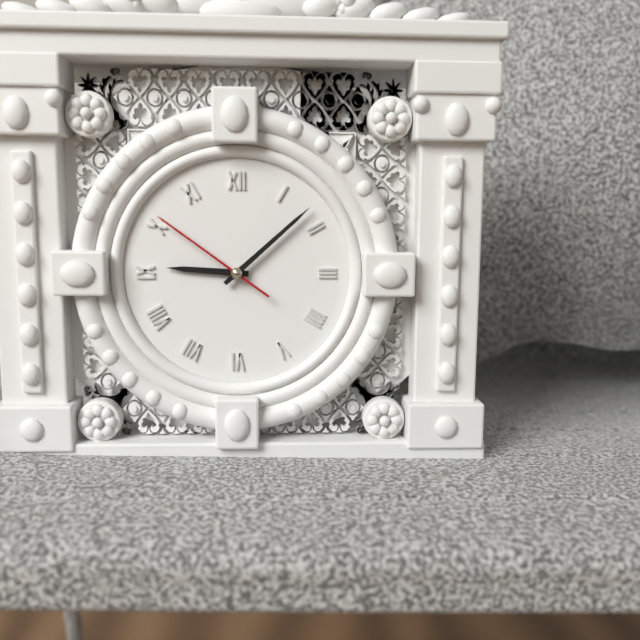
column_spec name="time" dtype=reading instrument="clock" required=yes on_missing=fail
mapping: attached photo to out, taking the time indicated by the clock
9:08:51
